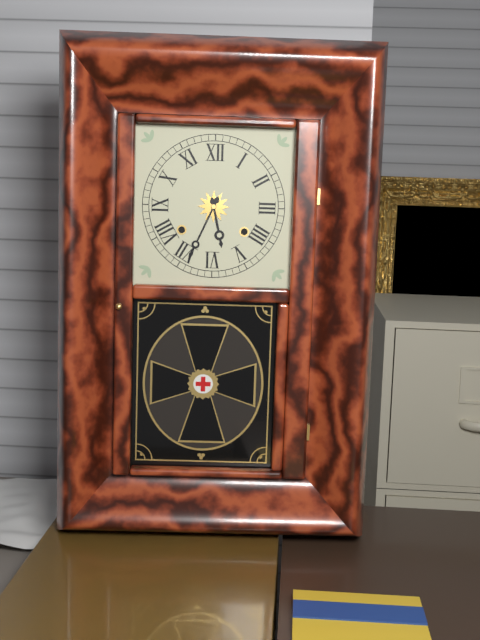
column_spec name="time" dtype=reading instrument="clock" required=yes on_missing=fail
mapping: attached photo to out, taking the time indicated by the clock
5:34
